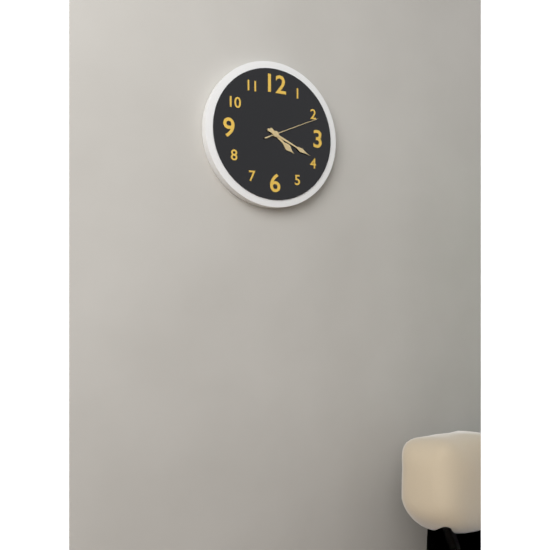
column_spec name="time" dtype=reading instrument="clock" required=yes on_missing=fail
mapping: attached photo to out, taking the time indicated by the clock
4:19:11
